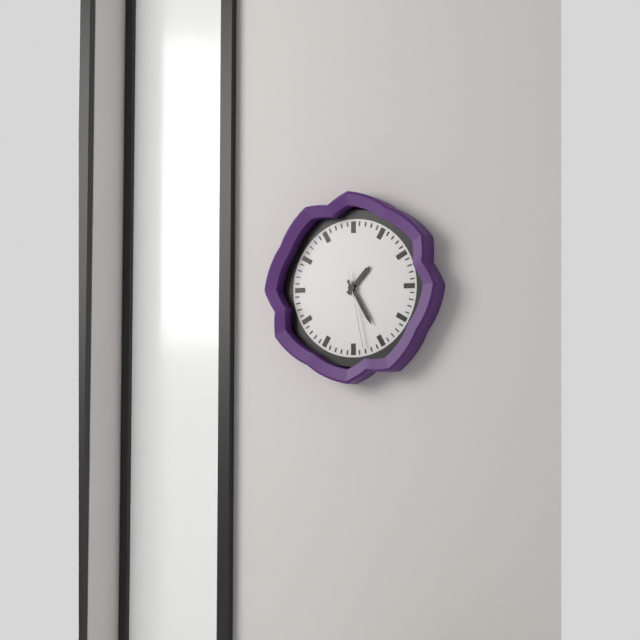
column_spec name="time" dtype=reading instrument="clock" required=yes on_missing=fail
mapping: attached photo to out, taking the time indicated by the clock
1:25:28
